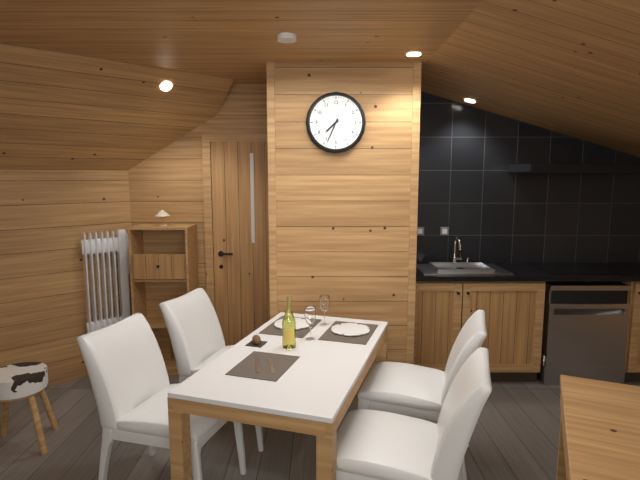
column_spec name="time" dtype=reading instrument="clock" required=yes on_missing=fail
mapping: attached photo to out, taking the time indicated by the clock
7:34
